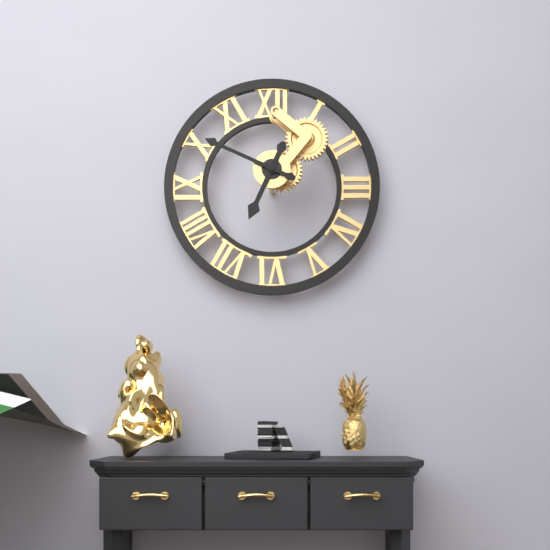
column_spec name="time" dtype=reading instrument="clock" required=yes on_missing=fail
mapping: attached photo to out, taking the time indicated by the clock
6:49
